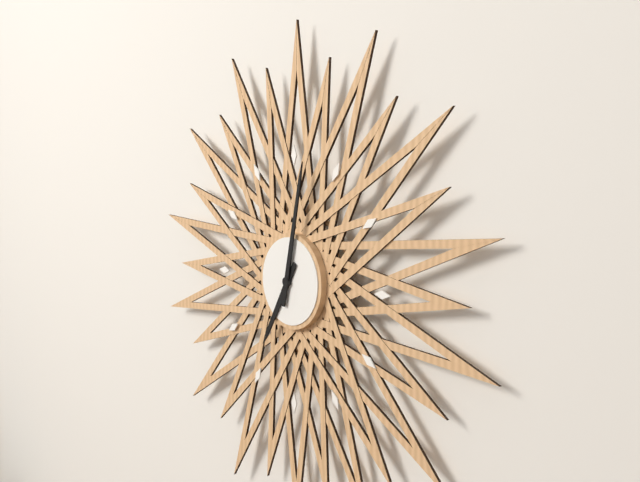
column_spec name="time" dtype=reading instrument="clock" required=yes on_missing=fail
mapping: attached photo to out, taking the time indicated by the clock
7:02
